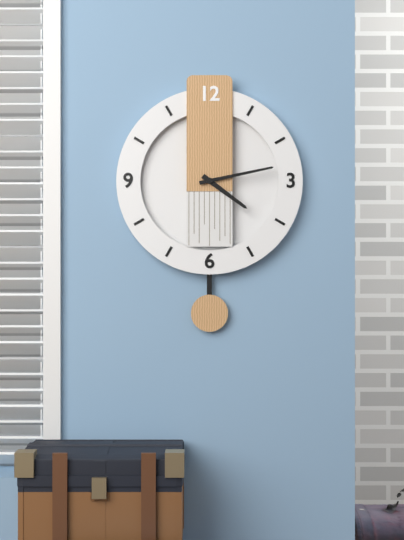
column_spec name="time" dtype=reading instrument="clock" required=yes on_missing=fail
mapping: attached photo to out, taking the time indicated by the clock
4:13
